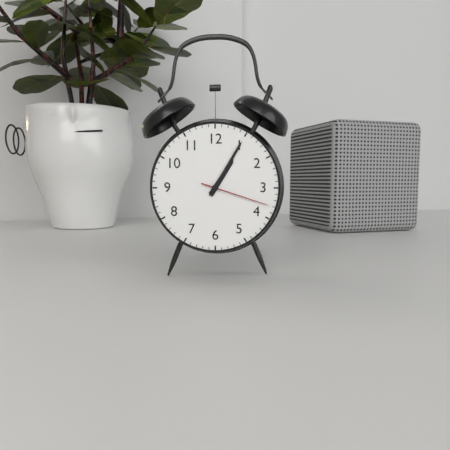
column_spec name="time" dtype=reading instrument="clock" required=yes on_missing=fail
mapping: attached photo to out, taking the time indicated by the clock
1:05:18
